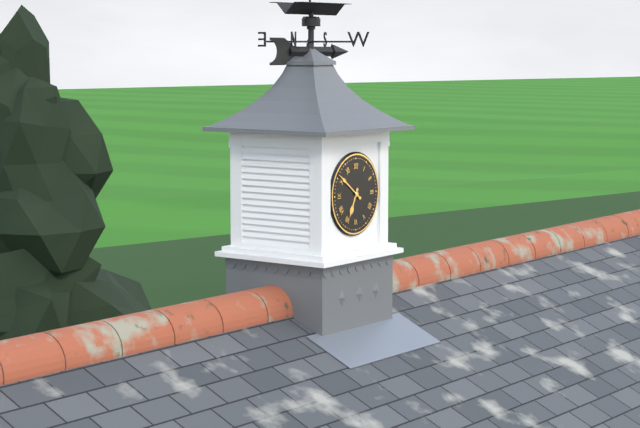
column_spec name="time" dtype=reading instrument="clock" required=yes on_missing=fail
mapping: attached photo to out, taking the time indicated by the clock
6:51
